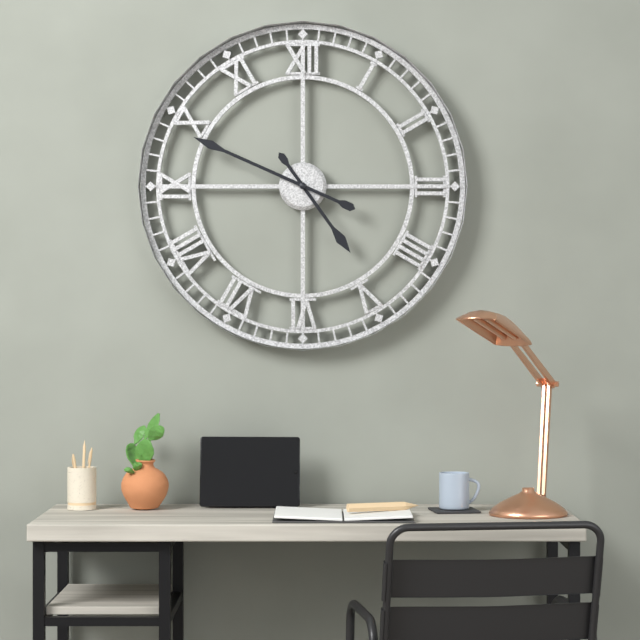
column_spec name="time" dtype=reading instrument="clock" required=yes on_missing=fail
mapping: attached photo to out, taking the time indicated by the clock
4:49
